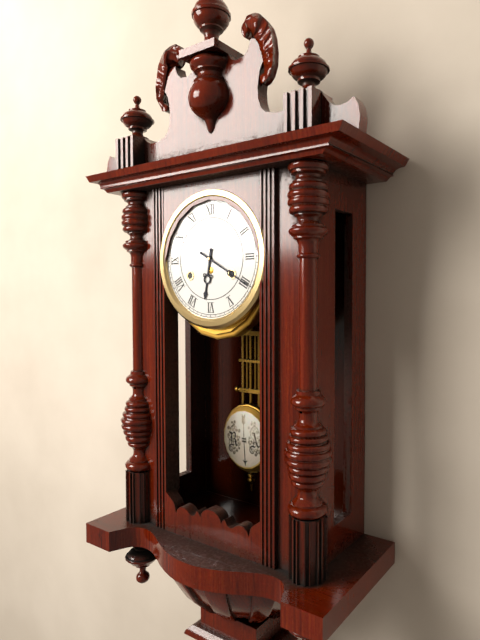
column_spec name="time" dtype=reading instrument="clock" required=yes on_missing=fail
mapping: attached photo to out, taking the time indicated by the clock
6:20
